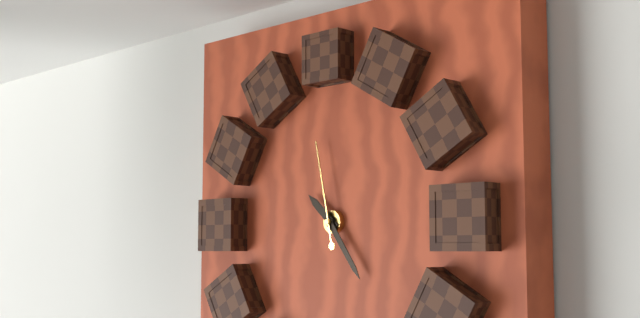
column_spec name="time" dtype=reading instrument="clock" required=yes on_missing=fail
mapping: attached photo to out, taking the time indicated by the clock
10:24:58
